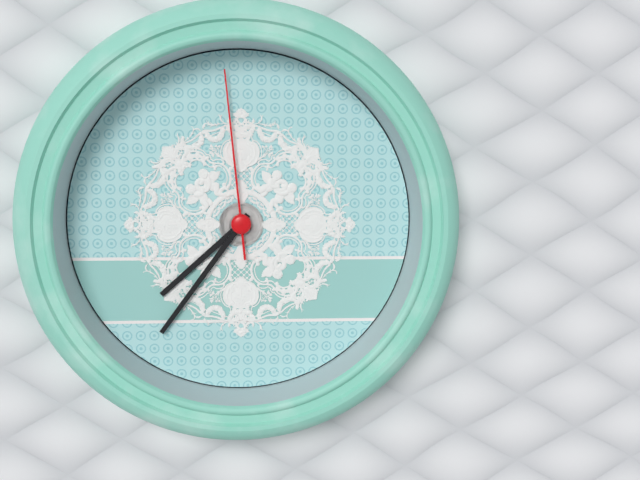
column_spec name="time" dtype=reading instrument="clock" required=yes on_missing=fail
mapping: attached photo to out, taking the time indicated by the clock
7:36:59
